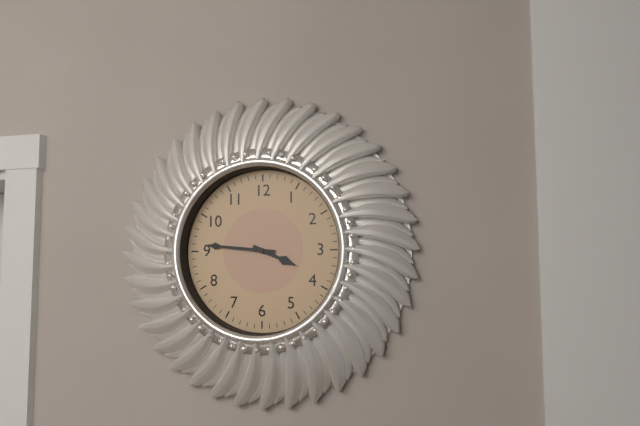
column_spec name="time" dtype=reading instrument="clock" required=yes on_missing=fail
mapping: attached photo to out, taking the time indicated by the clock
3:46
